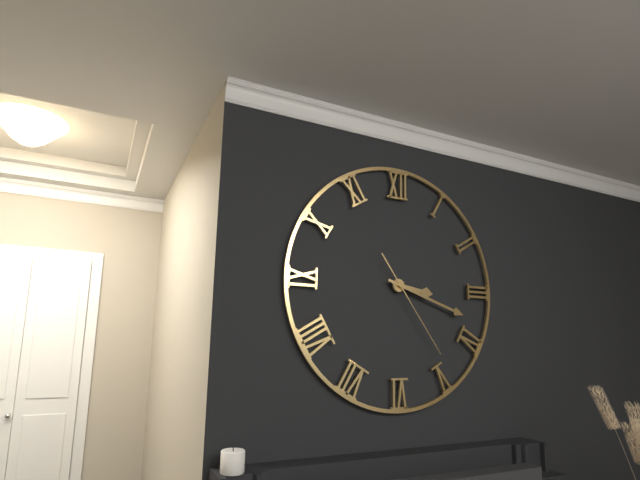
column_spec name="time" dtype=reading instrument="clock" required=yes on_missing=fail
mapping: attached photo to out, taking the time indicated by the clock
3:18:24
